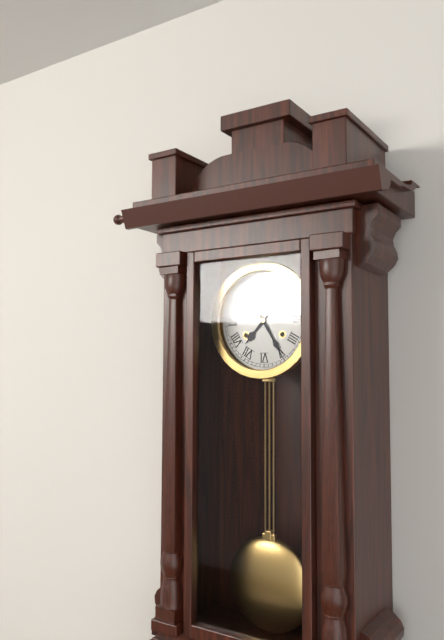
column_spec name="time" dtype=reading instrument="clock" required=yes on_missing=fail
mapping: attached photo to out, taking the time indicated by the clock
7:25
